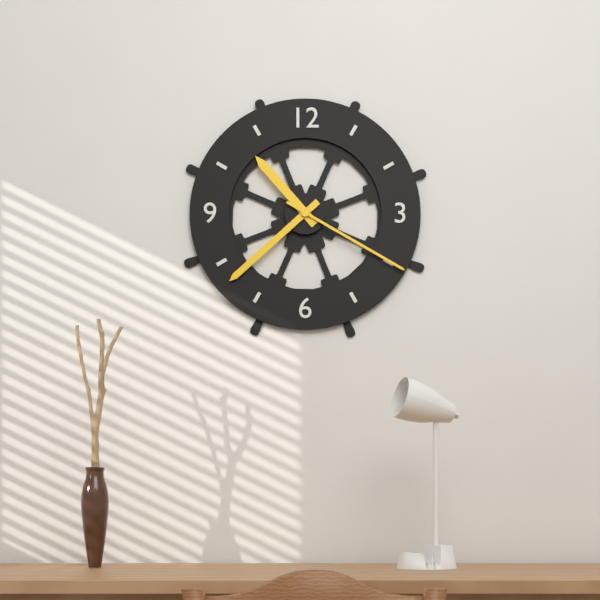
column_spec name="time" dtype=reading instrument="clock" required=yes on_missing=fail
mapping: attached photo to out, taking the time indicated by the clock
10:38:20
